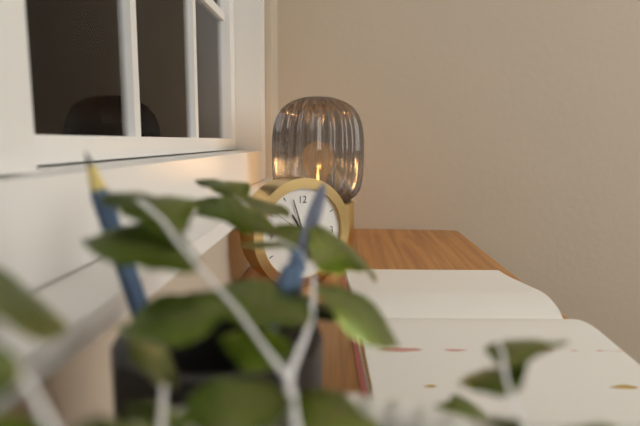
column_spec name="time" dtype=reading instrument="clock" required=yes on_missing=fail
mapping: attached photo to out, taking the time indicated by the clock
10:57
